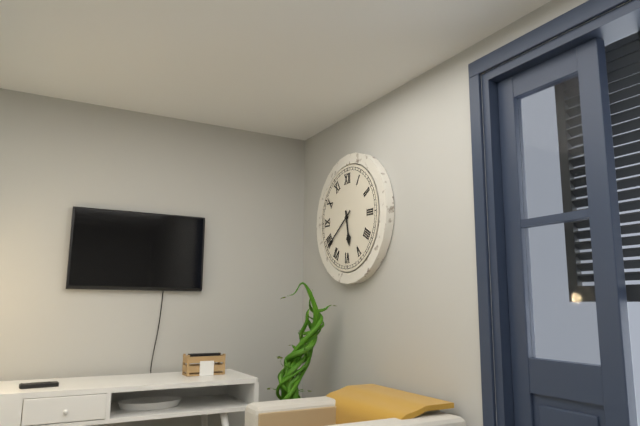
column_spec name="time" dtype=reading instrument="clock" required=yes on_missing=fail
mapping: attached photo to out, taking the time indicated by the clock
5:39
